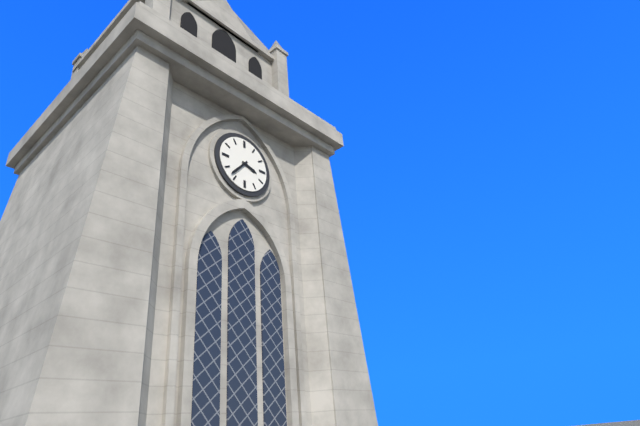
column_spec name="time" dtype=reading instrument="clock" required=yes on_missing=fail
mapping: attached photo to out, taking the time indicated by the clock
3:37
